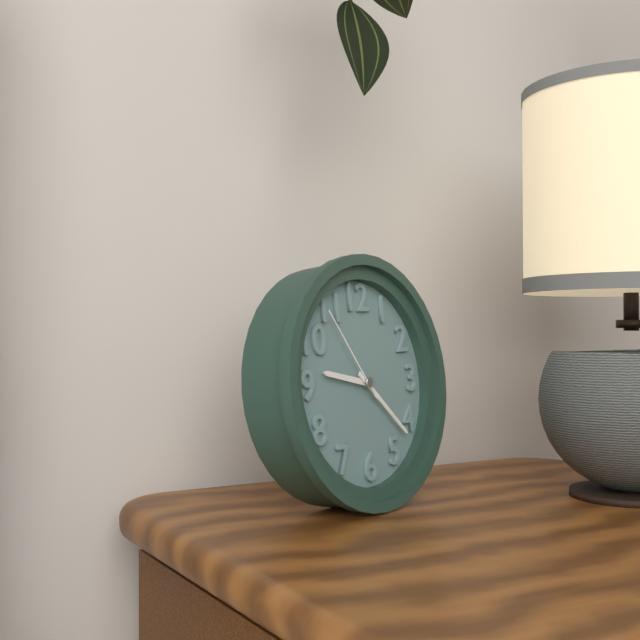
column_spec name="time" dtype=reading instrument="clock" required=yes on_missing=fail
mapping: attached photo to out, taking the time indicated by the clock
9:22:54
